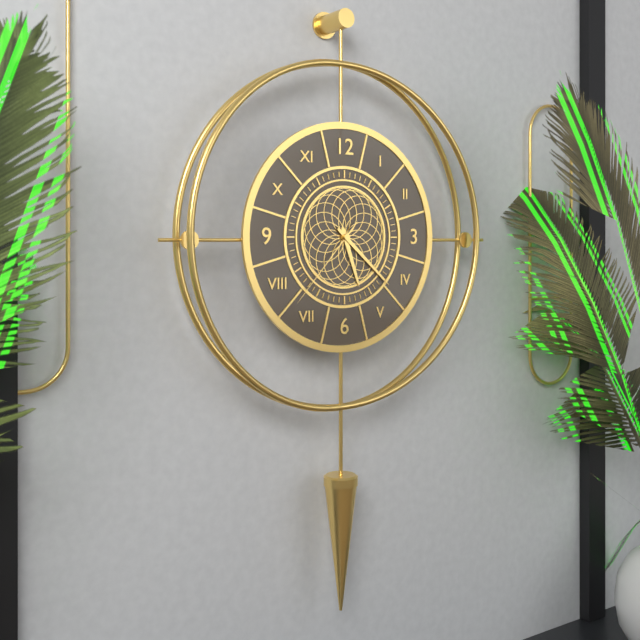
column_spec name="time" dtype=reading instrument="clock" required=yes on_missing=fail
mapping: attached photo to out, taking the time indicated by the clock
5:22:37
